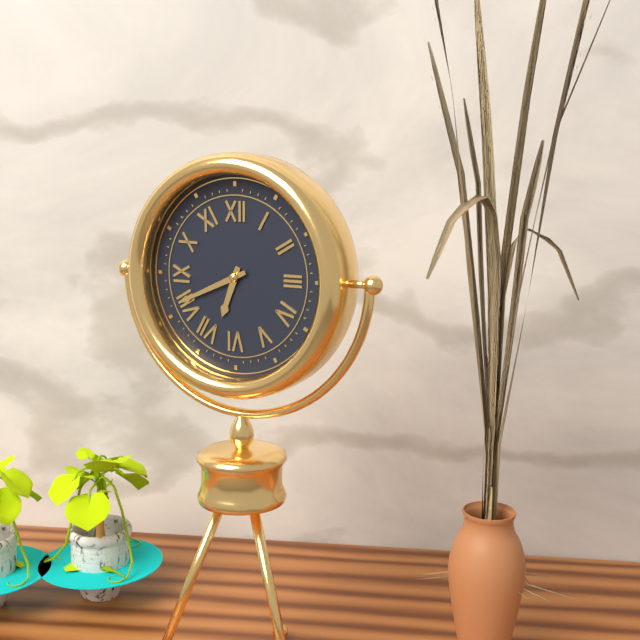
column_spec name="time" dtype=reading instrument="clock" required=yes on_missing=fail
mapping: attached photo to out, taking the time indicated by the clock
6:41
